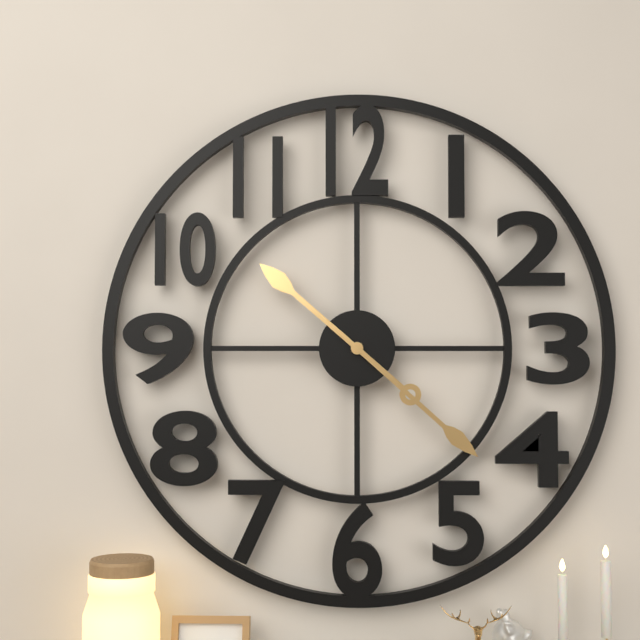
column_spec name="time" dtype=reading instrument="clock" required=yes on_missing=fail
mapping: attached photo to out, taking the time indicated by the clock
10:22
